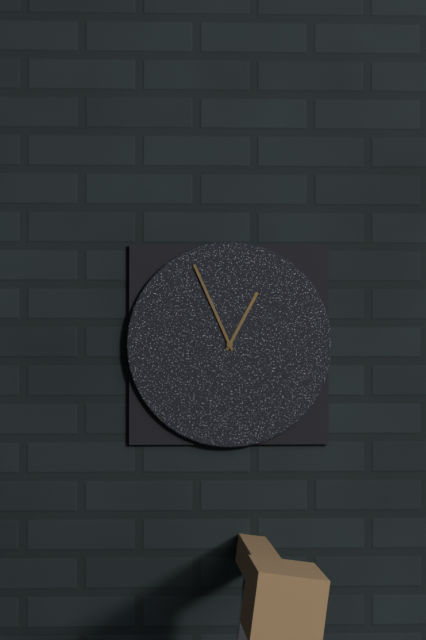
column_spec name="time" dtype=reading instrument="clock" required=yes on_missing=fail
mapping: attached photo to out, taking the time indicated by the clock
12:56
